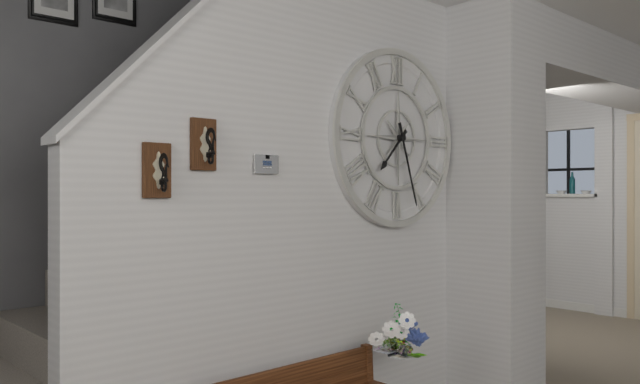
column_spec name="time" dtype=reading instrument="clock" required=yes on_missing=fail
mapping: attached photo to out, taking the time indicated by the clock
7:27
